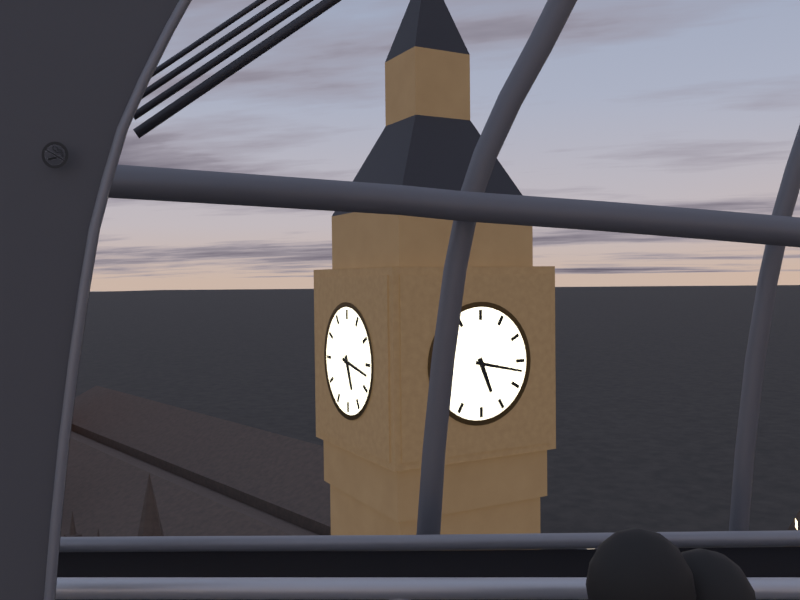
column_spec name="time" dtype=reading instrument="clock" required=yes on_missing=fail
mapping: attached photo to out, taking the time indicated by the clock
5:17
